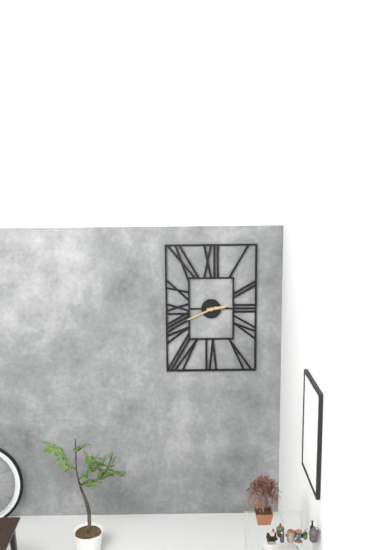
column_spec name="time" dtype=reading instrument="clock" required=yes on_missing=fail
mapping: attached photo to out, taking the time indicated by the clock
2:41
